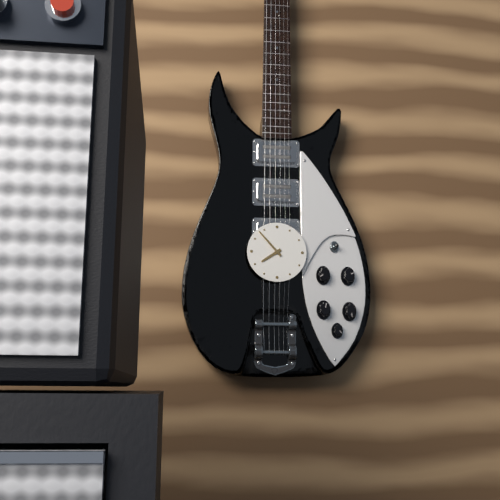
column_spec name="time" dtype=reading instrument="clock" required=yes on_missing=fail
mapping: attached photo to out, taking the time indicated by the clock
7:53
